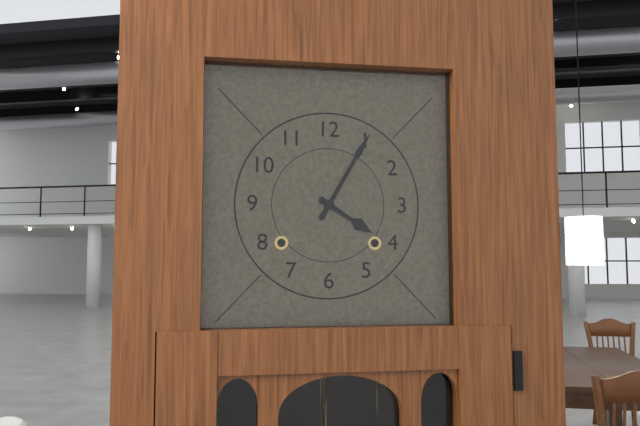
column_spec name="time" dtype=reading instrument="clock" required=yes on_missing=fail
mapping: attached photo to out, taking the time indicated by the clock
4:05
